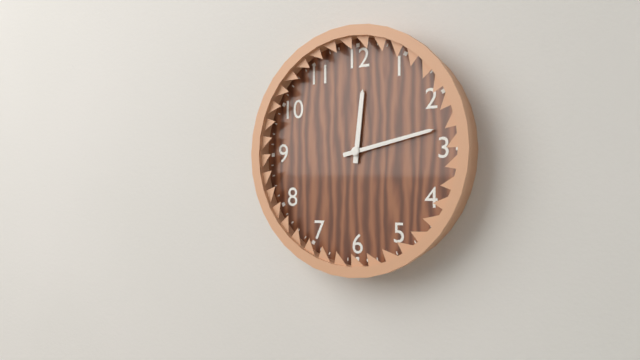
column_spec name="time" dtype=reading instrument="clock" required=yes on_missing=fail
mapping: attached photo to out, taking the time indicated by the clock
12:13
